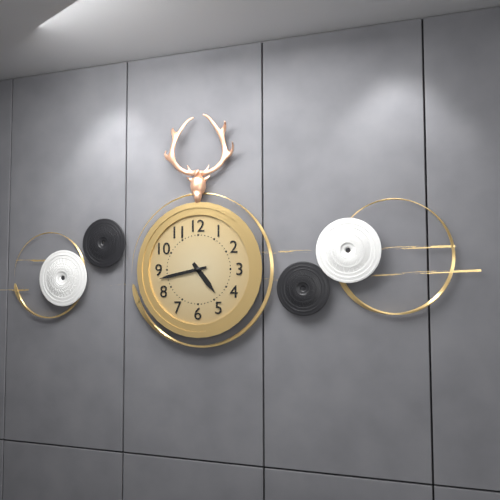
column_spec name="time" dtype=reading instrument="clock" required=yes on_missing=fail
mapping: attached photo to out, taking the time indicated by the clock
4:43
